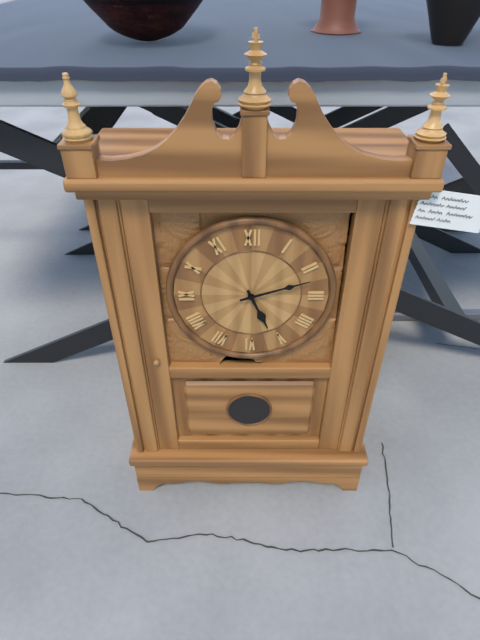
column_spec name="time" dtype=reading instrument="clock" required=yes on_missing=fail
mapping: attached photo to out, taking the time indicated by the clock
5:12
